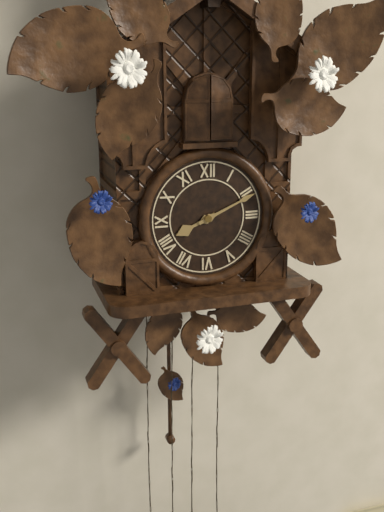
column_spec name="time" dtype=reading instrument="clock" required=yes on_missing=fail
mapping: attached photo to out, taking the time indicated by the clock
8:11
